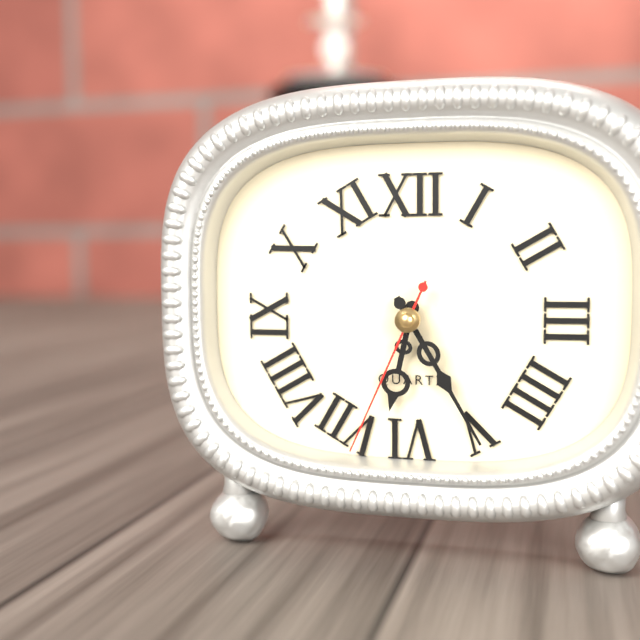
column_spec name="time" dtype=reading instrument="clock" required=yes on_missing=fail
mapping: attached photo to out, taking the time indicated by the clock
6:25:34
